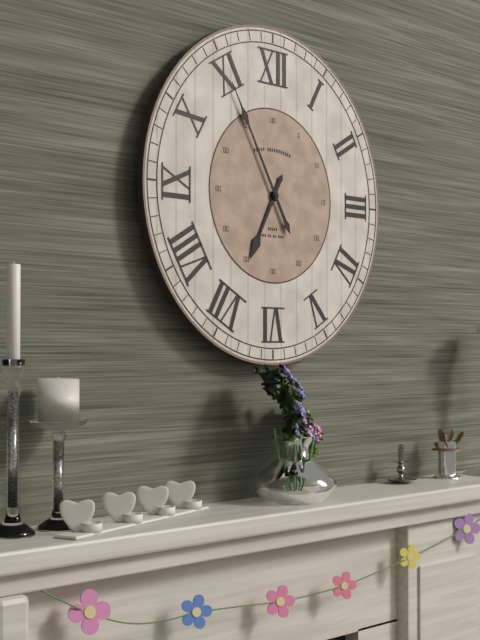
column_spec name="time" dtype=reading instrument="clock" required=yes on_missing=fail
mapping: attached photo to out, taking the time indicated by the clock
6:55
